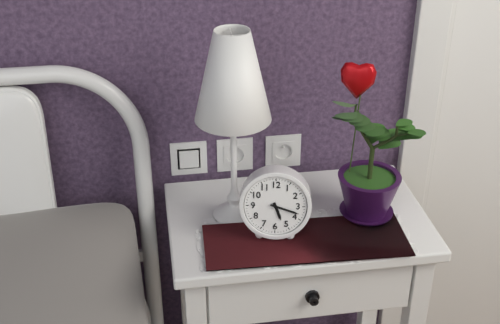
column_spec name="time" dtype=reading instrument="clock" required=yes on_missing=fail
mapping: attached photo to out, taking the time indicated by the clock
5:18
